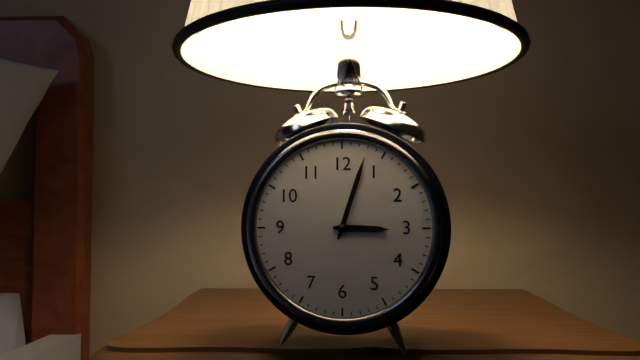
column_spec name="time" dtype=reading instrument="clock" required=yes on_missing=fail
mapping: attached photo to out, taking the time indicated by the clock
3:03
